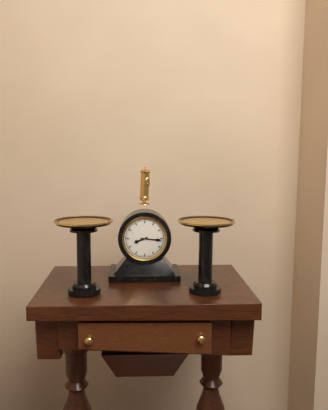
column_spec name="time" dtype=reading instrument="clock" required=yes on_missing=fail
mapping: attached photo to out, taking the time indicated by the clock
8:16
